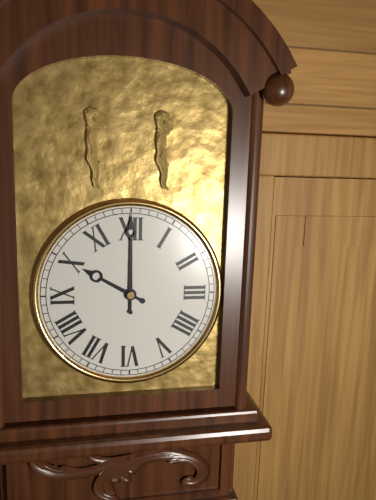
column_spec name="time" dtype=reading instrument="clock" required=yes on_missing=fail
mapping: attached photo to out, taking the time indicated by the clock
10:00
